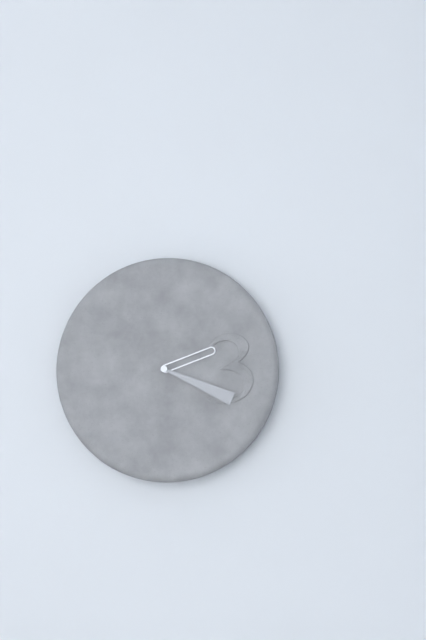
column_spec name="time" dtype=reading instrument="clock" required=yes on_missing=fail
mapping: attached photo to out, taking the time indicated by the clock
2:19
